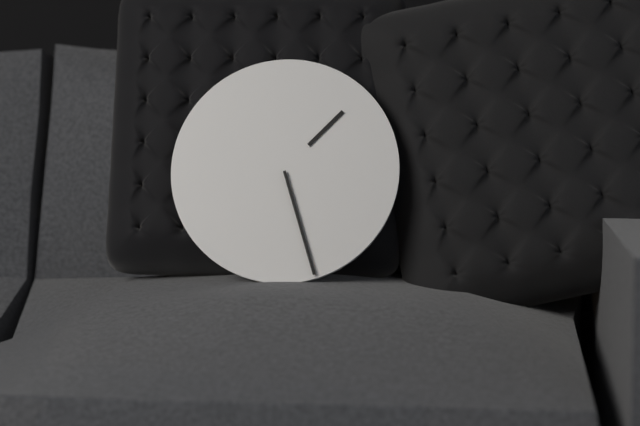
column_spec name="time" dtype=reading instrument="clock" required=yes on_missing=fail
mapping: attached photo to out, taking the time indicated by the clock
1:27
